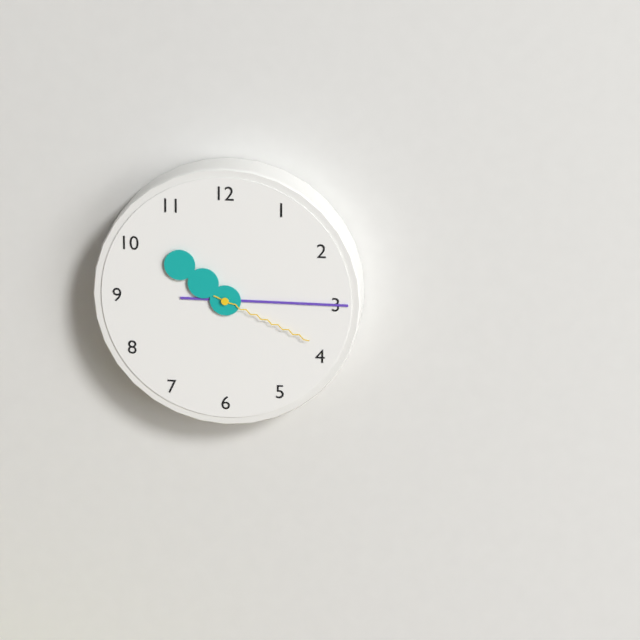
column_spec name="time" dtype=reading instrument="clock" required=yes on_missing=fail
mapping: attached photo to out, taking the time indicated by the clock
10:15:19
